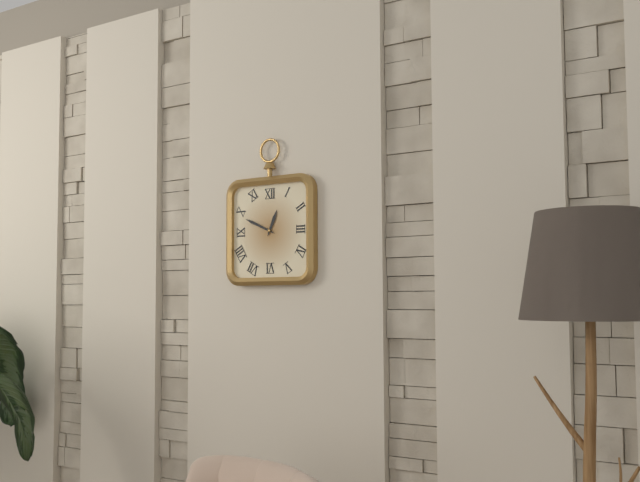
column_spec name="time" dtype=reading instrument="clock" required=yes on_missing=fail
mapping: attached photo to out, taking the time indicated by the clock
12:49
